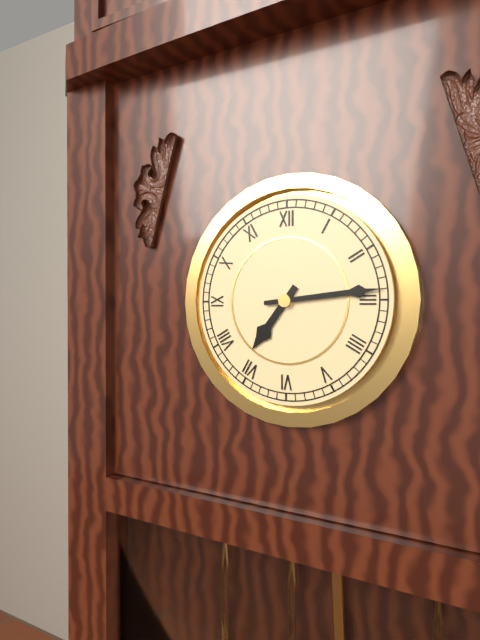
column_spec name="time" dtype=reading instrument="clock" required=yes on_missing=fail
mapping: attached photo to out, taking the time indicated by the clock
7:14
